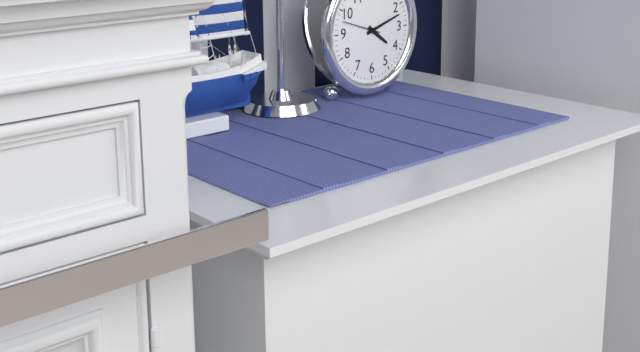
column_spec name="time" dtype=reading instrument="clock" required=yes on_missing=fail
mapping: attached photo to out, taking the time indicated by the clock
4:12
